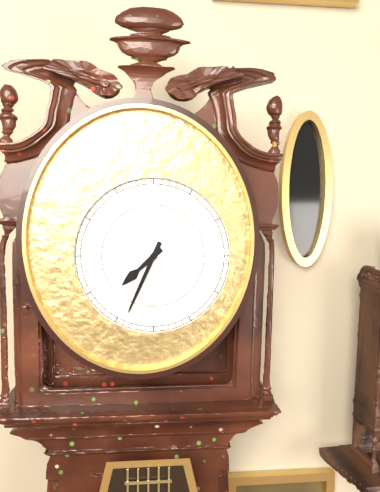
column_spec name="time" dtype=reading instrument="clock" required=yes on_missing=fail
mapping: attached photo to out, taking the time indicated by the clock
7:34
